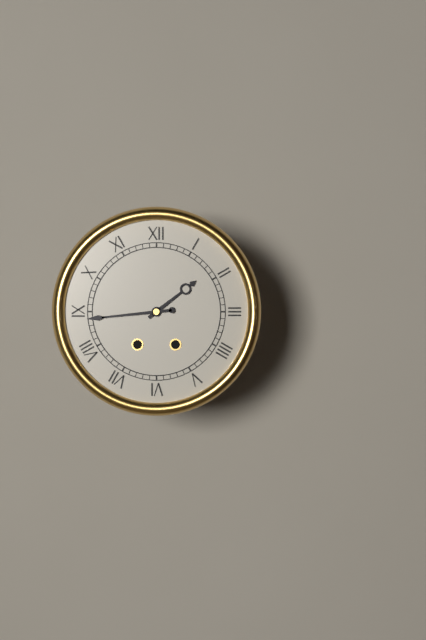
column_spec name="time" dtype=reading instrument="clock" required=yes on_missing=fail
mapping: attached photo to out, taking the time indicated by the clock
1:44
